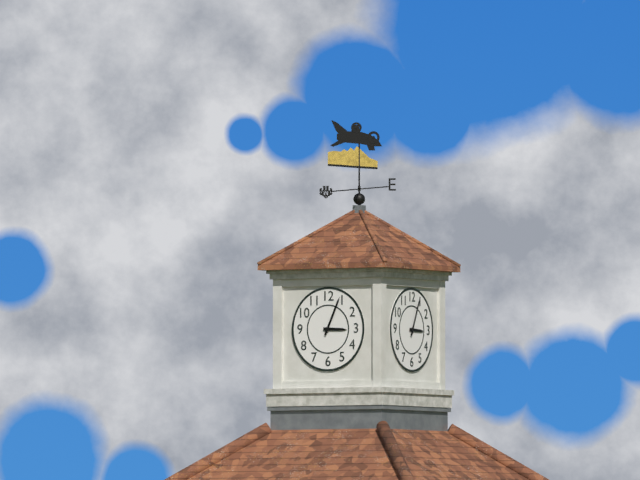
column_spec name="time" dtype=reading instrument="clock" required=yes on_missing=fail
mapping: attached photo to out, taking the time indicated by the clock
3:04
